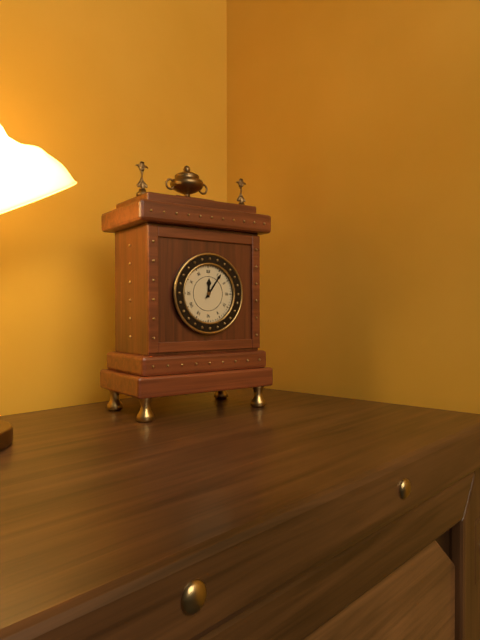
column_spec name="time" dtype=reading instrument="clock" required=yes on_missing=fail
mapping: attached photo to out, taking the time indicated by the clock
12:06
